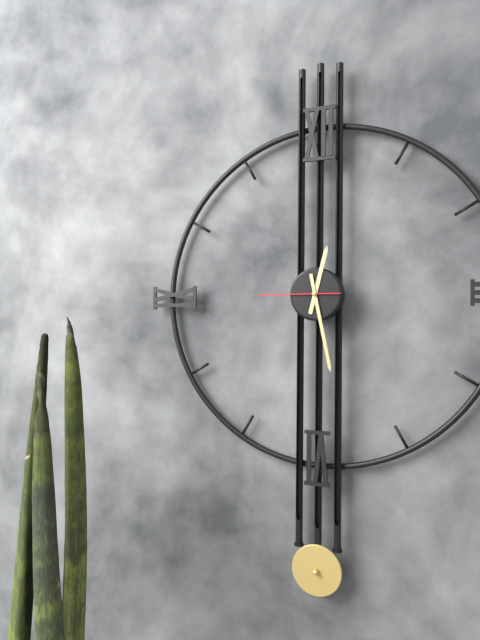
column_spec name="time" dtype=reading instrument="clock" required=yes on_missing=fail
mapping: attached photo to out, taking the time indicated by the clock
12:28:45
